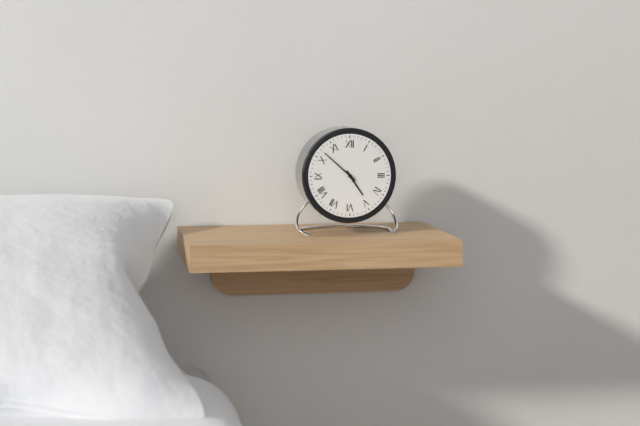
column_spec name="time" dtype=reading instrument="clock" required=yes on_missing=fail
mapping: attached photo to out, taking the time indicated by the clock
4:52
